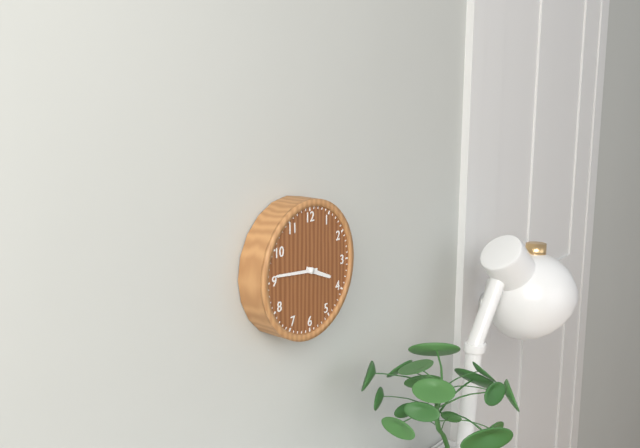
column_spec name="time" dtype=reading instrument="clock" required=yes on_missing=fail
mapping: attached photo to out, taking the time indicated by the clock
3:46
